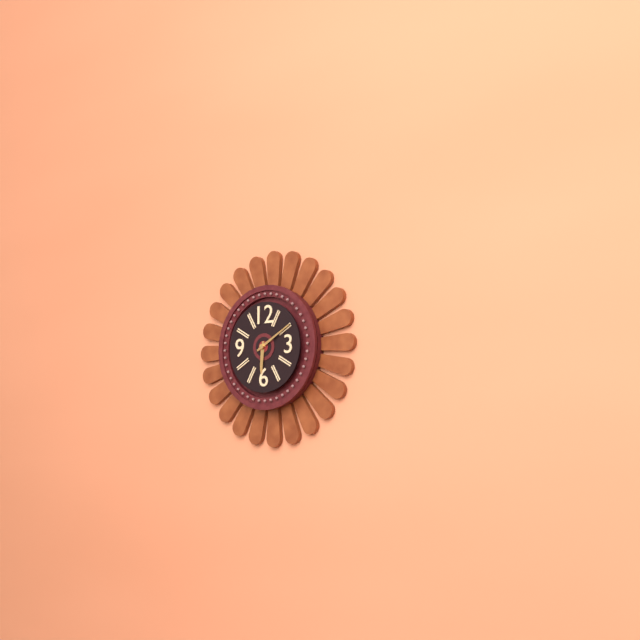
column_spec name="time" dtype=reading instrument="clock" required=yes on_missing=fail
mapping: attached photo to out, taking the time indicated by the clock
6:10
